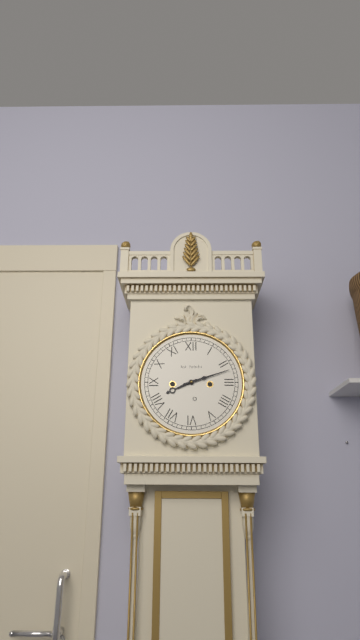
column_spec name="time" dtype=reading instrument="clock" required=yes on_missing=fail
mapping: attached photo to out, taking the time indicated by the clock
8:12
